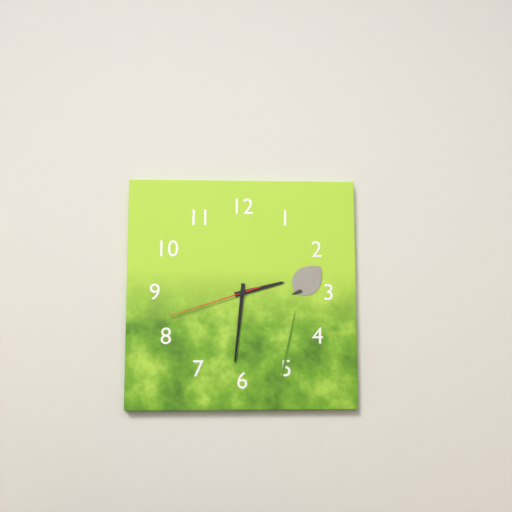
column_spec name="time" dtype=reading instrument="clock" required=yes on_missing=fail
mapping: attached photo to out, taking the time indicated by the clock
2:31:42
